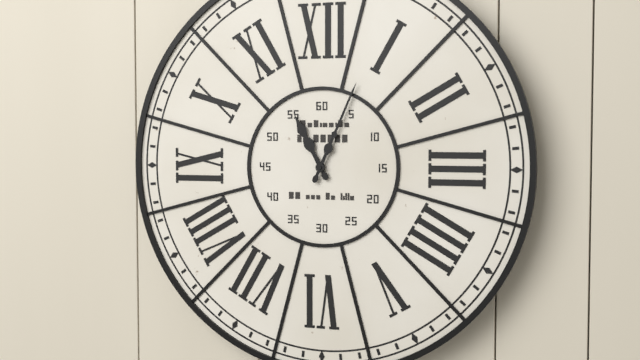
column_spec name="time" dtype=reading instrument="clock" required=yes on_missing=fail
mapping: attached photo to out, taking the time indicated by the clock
11:04
